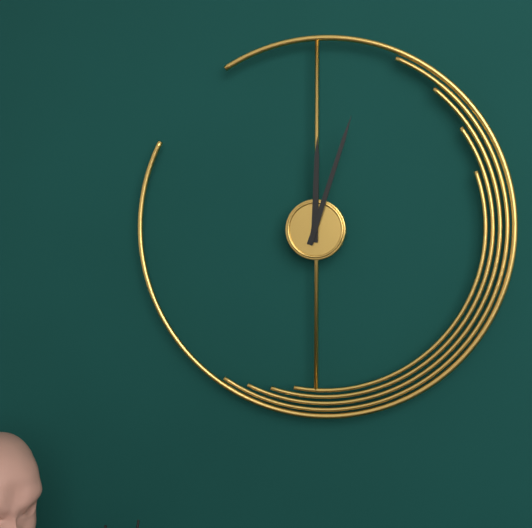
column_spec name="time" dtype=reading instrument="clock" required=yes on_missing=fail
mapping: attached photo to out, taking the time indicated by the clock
12:03
